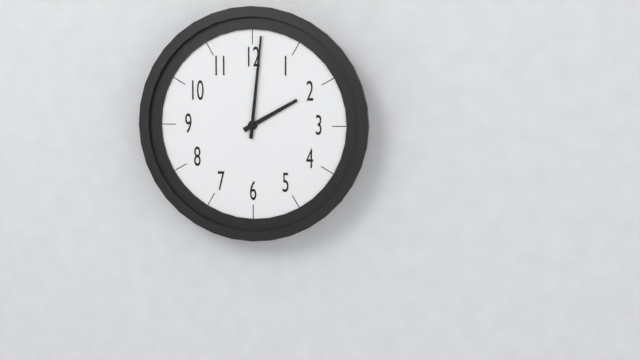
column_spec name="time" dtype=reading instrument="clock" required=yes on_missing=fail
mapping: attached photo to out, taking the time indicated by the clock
2:01
